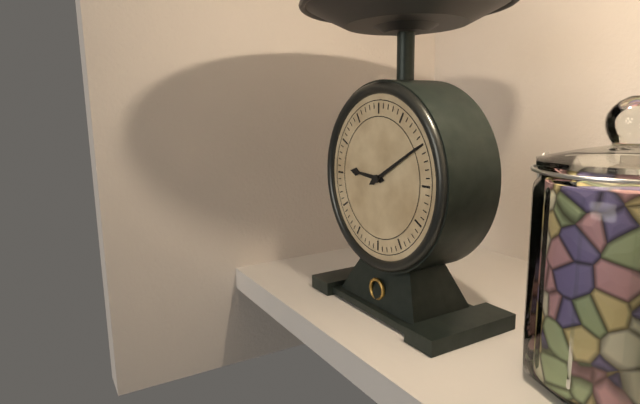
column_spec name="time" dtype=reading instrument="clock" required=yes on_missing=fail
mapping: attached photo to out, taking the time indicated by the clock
9:10
